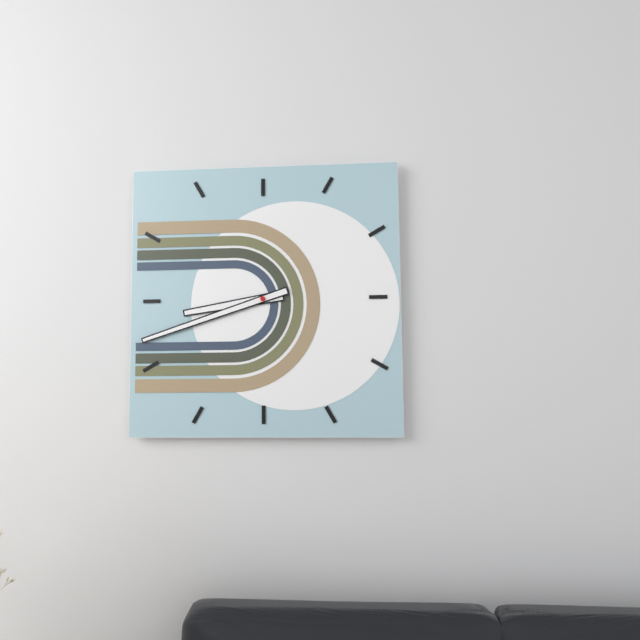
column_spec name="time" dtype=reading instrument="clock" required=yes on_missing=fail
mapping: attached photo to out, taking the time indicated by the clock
8:42
